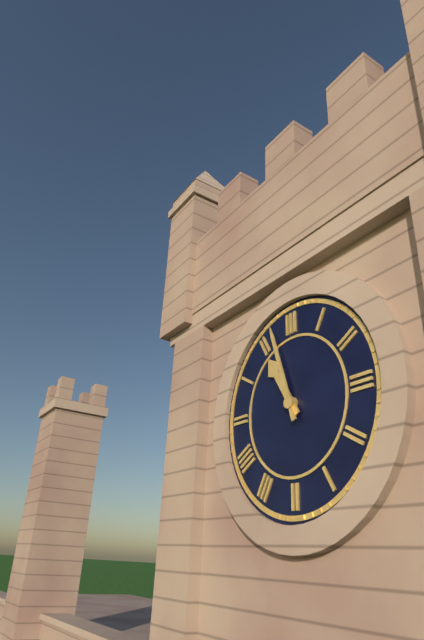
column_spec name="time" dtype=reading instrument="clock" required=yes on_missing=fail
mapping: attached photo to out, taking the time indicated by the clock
10:57
